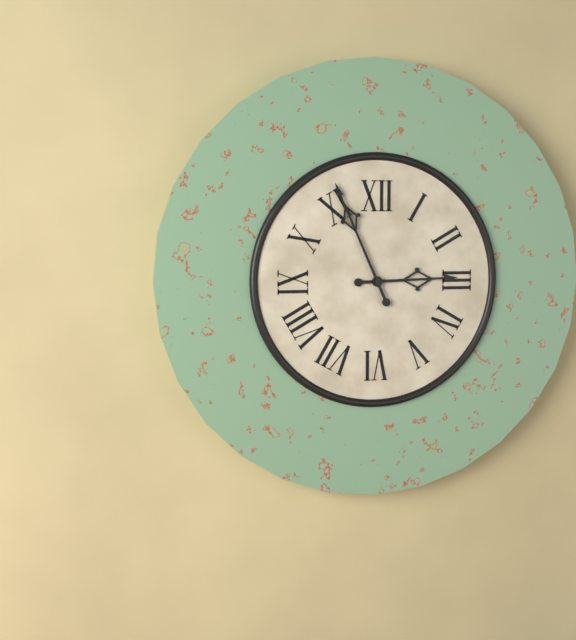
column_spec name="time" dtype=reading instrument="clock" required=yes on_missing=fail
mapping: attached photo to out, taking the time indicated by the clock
2:56
